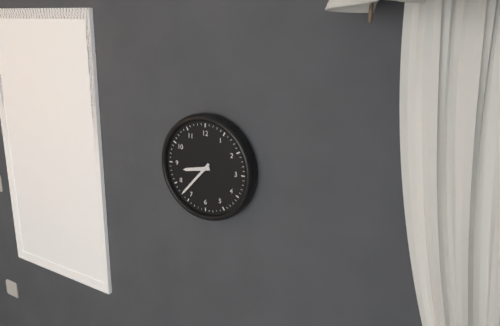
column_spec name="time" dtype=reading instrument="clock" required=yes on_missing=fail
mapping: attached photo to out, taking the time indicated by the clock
8:37
